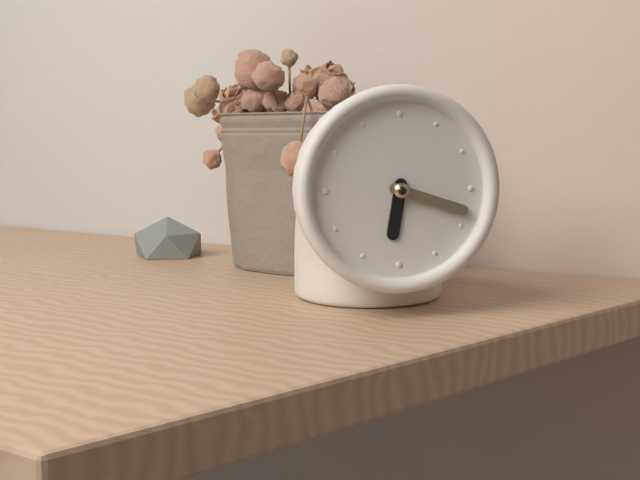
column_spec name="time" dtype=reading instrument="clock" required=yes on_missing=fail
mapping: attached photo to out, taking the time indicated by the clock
6:18
